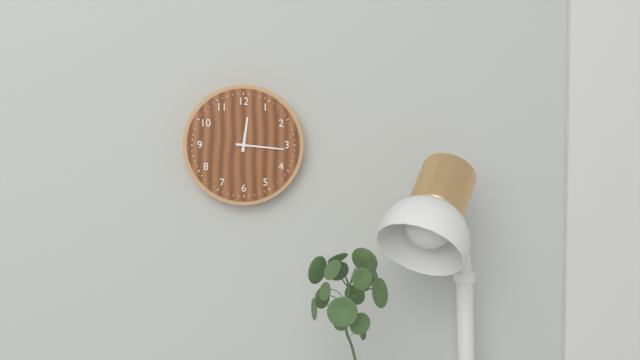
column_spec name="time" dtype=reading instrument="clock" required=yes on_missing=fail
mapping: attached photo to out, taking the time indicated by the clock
12:16
